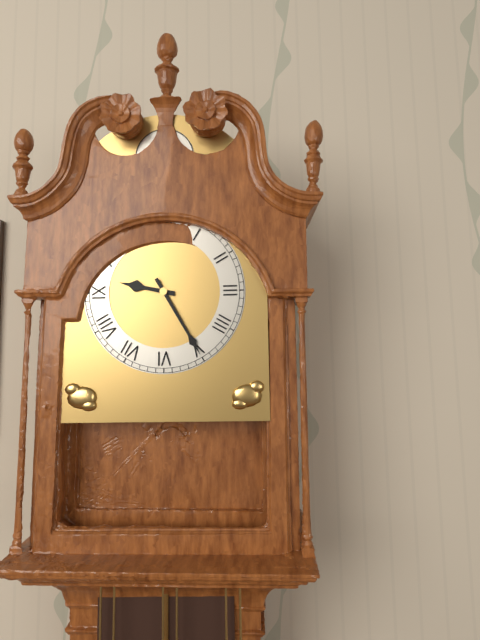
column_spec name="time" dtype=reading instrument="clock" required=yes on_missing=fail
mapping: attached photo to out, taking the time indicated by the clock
9:25
